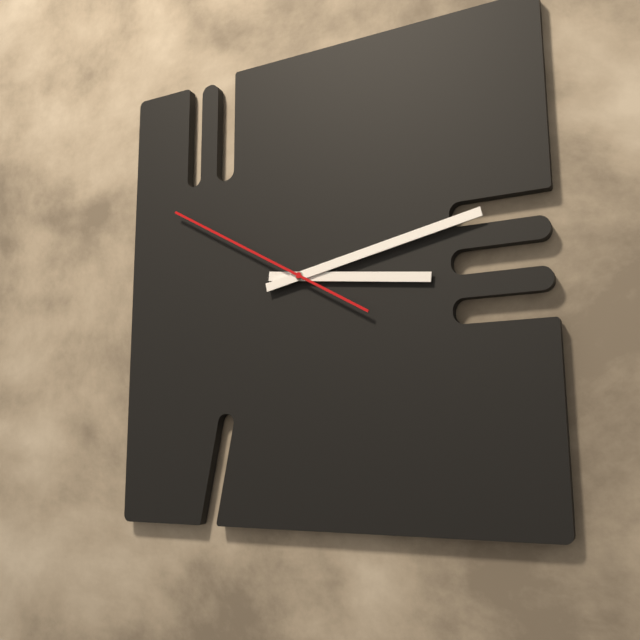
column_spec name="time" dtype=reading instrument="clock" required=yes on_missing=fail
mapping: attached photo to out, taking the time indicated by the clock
3:13:50
